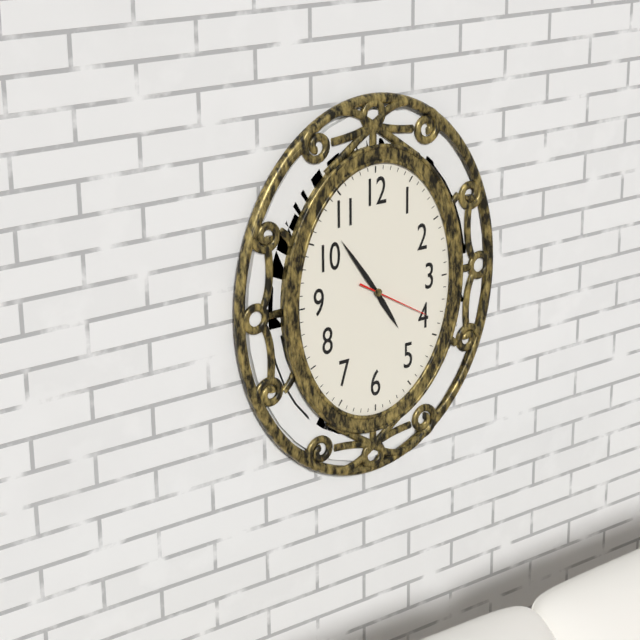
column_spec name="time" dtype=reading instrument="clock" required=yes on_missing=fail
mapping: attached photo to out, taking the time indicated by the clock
4:54:20
